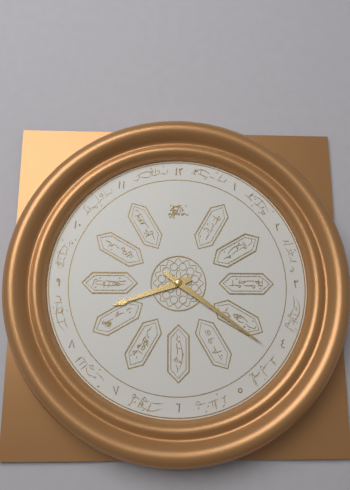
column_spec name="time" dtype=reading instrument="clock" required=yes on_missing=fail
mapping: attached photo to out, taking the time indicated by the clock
8:21
